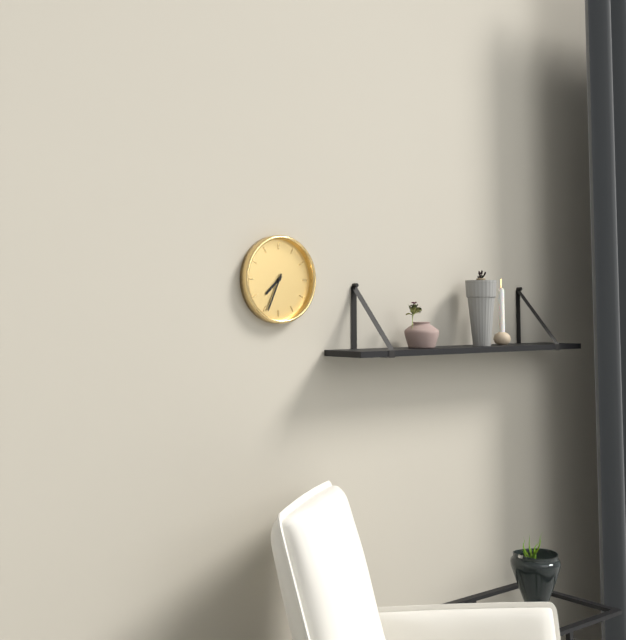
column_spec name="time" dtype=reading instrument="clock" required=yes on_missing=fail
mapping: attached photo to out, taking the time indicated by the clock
7:34
